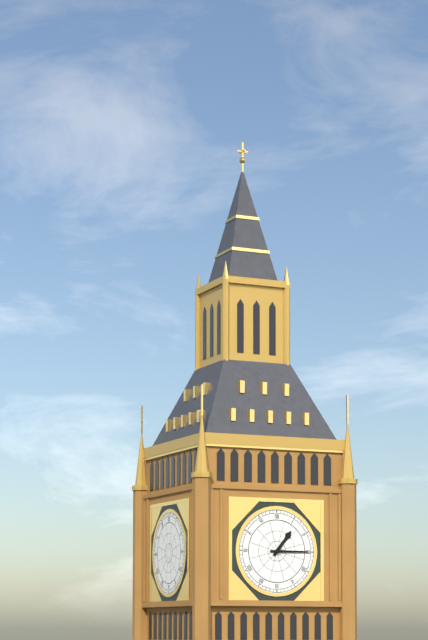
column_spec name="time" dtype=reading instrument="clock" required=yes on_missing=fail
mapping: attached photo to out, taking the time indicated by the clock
1:15
